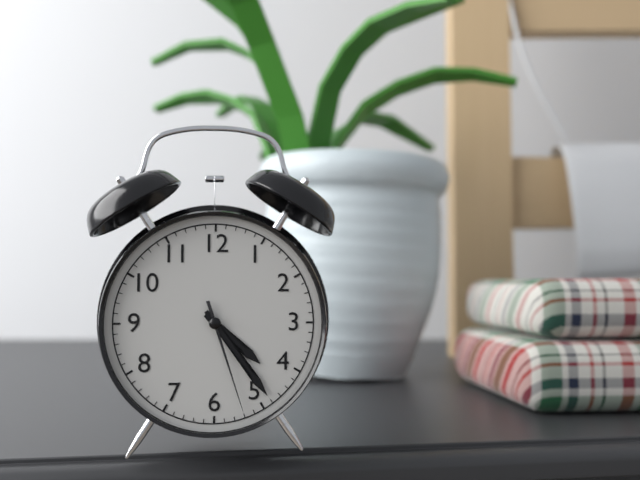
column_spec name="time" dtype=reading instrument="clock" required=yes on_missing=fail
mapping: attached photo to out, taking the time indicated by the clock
4:24:27
